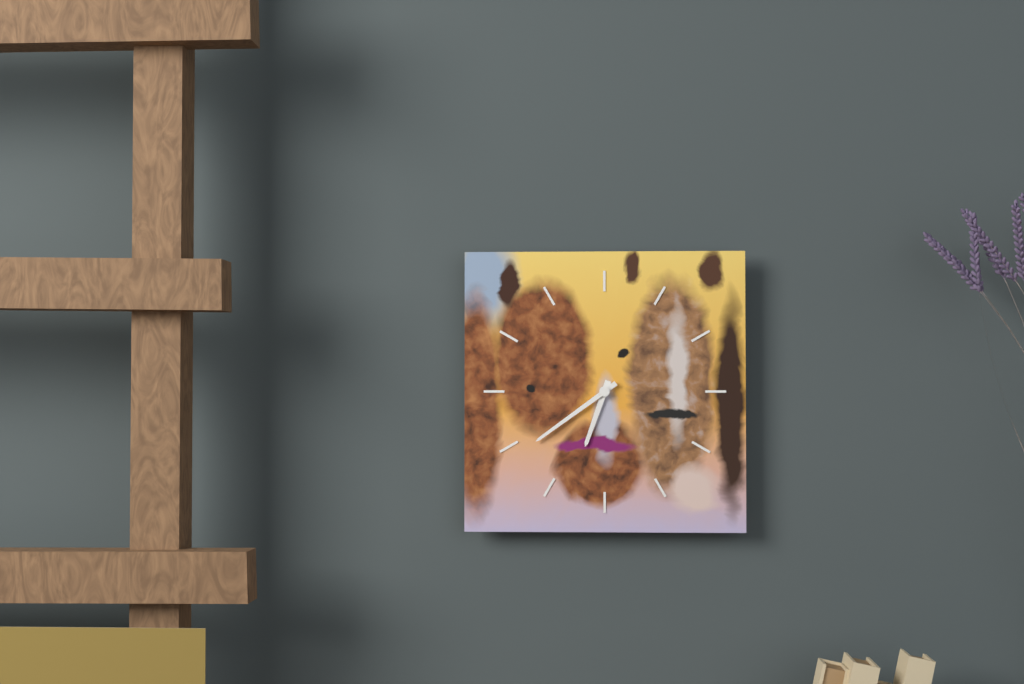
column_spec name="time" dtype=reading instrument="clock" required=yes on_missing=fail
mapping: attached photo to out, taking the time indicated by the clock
6:39
